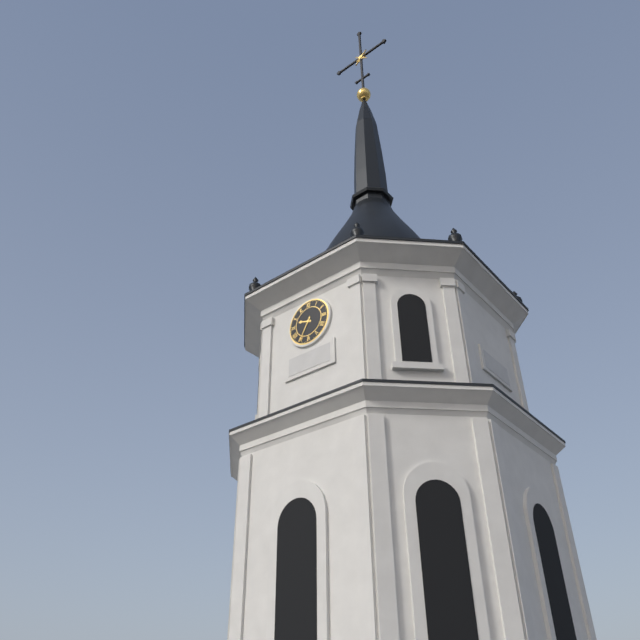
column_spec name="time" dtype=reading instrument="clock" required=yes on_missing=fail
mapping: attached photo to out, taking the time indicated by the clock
9:35
